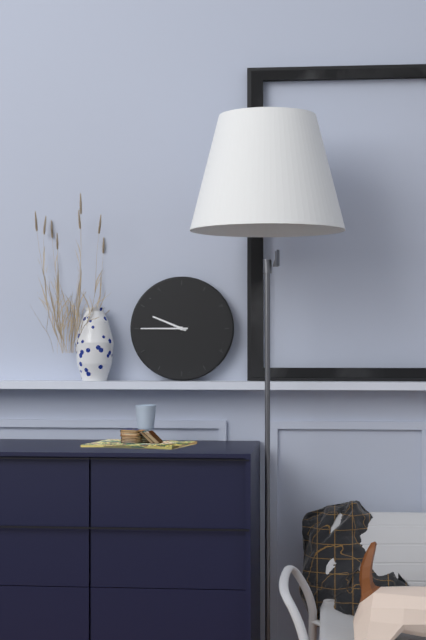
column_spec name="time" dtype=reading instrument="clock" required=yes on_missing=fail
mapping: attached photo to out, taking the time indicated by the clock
9:45
